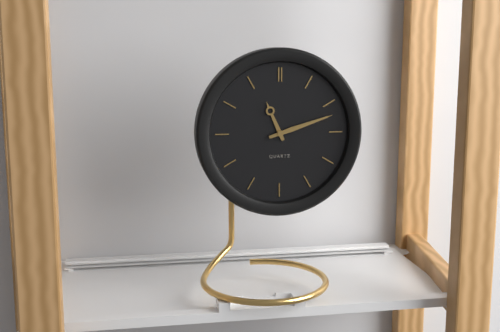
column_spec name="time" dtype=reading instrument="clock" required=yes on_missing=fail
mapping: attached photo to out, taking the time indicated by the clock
11:12
